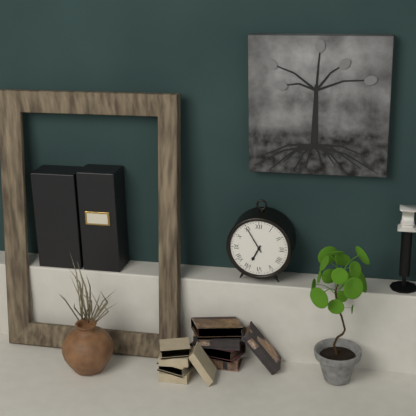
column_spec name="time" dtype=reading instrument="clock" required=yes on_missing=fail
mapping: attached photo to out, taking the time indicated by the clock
6:55
